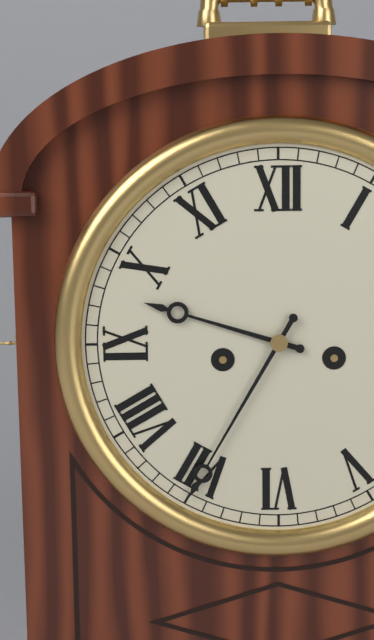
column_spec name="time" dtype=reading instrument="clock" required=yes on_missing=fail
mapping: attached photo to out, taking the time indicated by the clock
9:35
